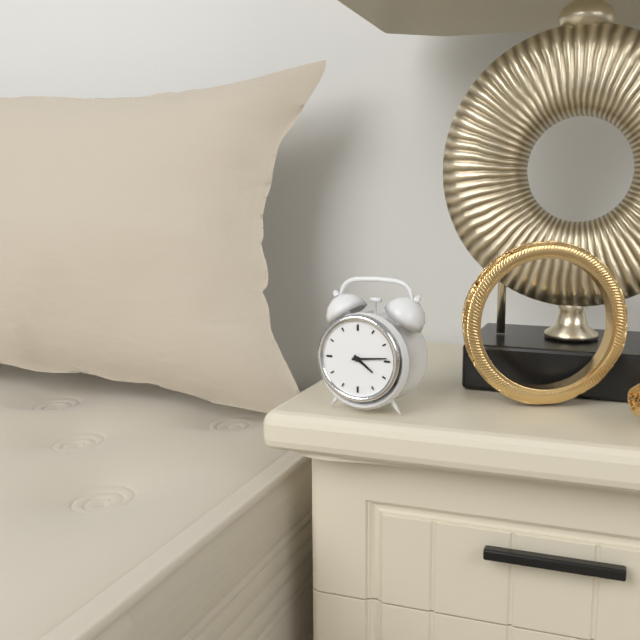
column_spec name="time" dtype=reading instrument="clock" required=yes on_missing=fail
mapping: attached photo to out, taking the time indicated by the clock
4:14
